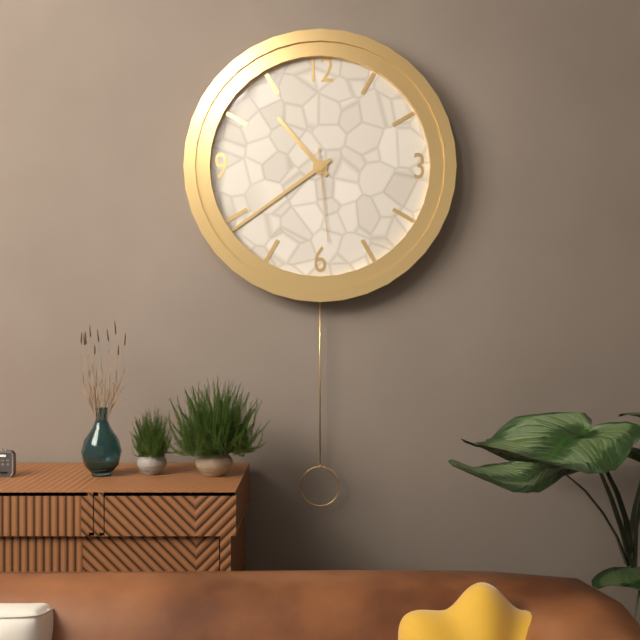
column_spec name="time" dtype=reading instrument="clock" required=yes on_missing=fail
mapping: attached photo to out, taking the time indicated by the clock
10:39:29
